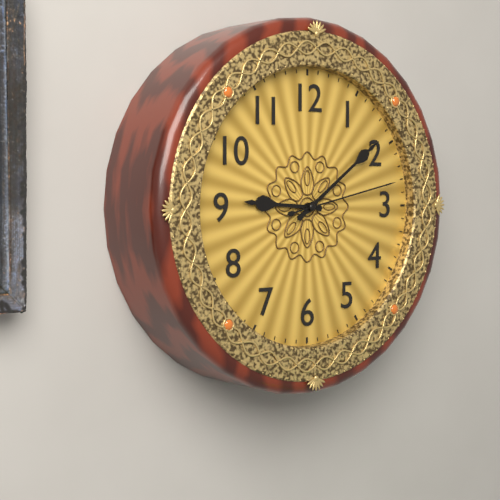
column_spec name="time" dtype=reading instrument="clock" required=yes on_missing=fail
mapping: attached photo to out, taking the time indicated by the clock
9:09:13
